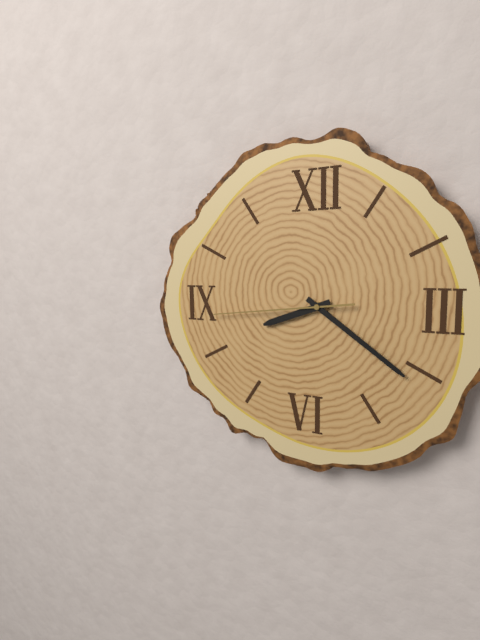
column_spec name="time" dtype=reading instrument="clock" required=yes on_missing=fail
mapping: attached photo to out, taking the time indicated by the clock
8:21:44
